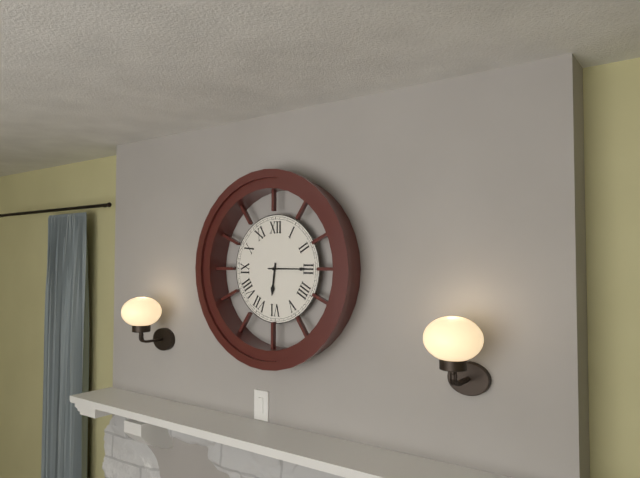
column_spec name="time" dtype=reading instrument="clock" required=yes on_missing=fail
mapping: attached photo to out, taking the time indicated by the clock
6:15
